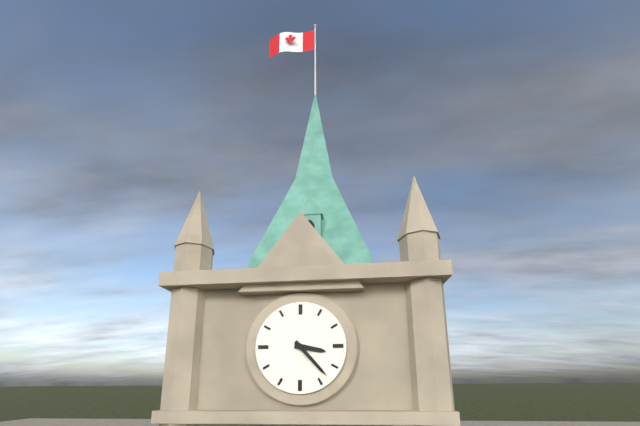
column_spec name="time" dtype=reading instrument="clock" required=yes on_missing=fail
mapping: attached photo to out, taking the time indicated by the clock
3:23
